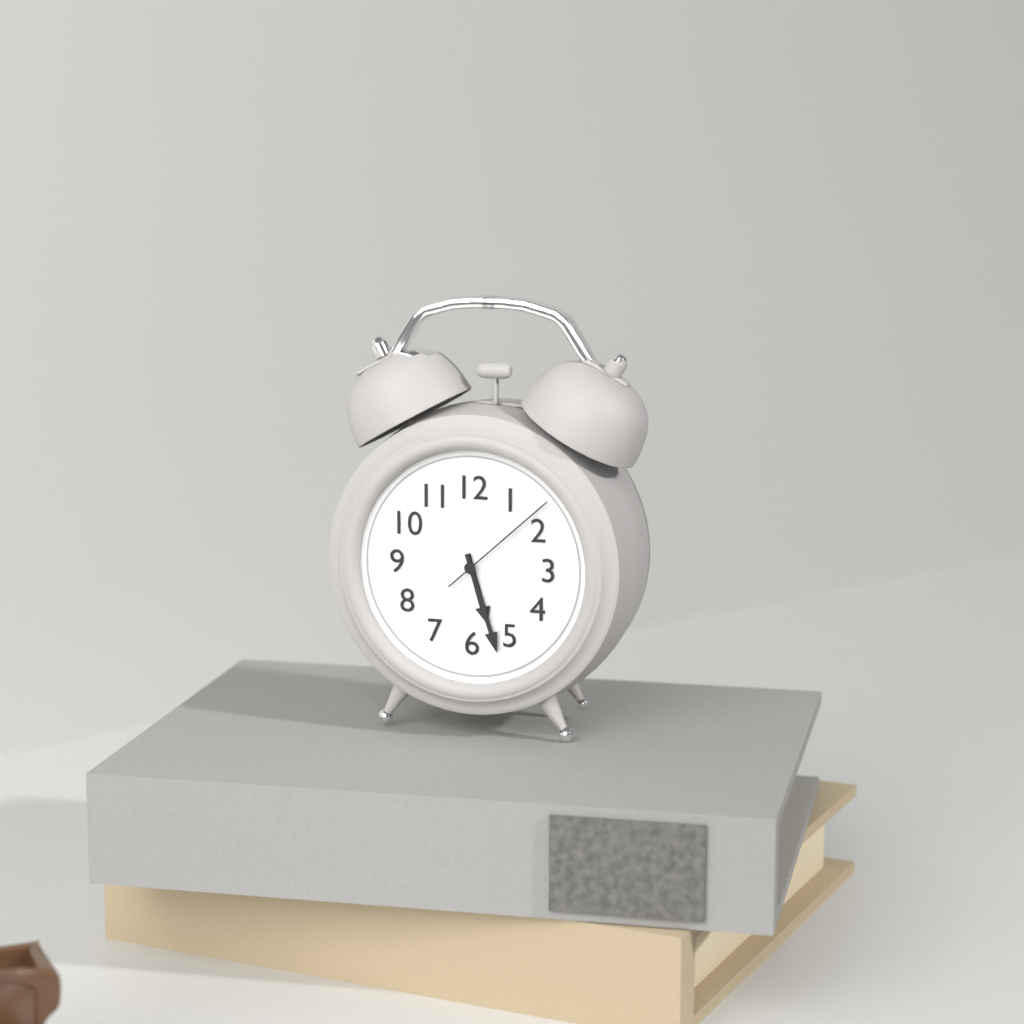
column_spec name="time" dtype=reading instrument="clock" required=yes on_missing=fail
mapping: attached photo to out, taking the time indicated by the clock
5:27:08
